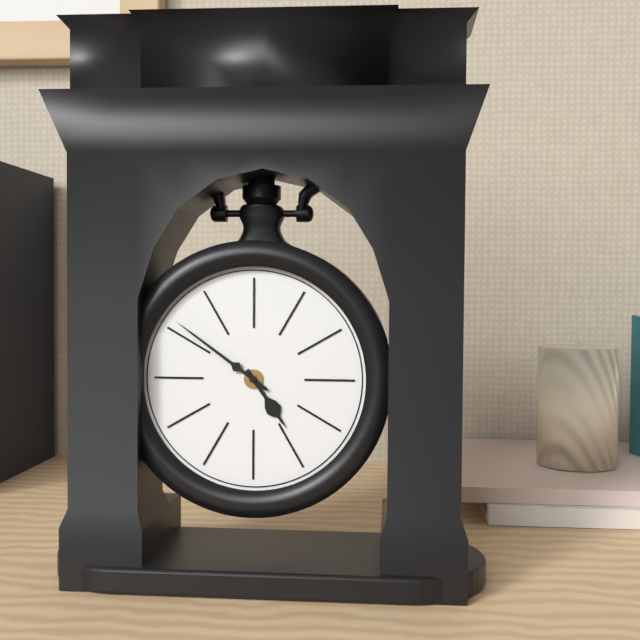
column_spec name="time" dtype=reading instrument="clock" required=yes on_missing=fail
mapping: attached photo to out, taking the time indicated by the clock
4:51
